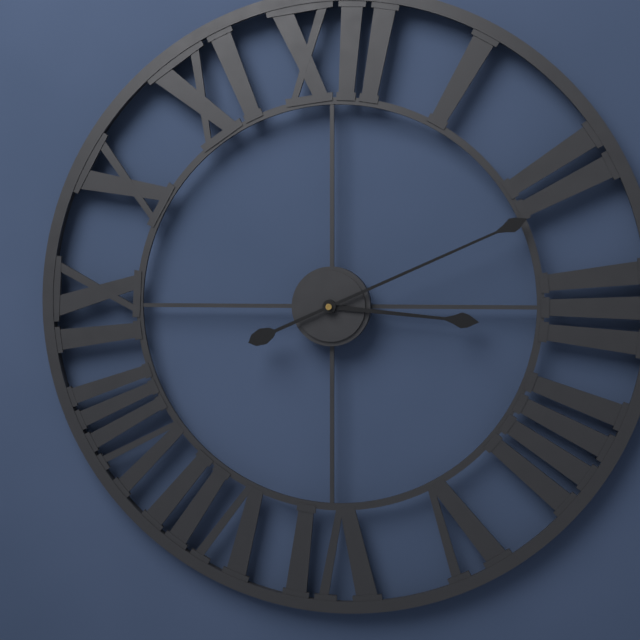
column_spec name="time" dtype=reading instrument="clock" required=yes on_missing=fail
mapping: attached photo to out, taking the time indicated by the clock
3:11
